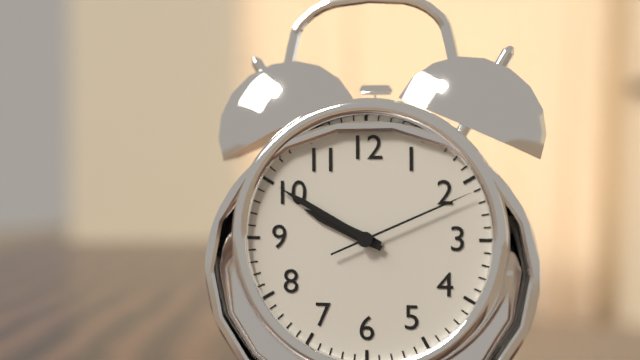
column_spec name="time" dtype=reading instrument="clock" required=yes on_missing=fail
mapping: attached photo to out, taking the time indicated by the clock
9:50:11
